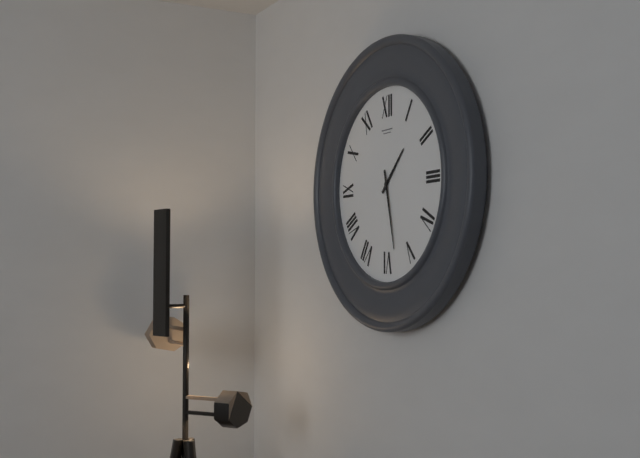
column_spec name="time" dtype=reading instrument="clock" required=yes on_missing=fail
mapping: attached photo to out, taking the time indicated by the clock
1:28
